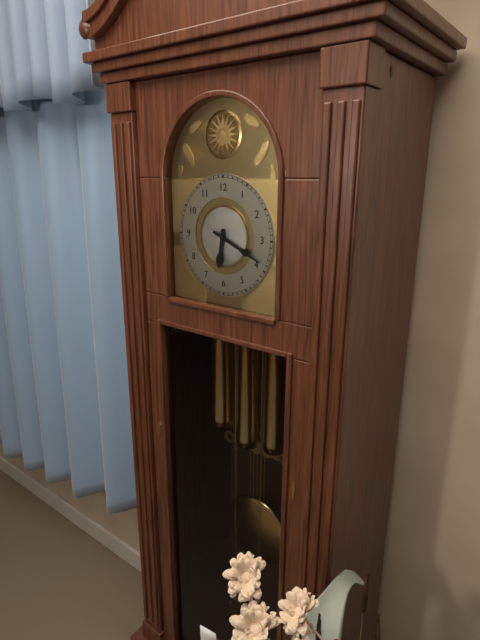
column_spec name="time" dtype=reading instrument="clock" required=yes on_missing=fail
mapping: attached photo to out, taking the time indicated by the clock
6:19
